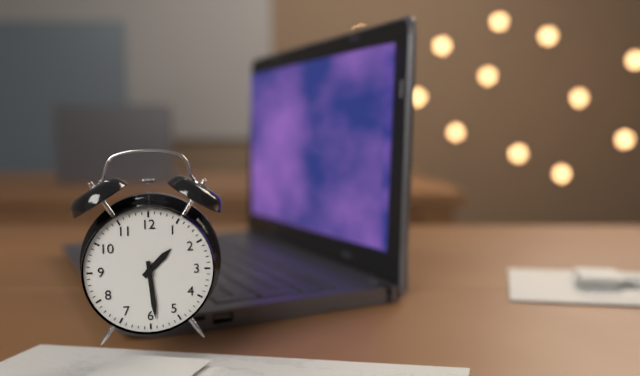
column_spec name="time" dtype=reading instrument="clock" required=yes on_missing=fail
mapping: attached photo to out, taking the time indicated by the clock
1:29
